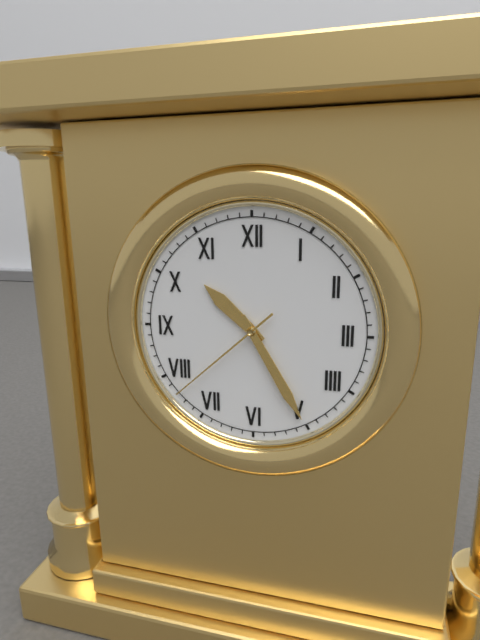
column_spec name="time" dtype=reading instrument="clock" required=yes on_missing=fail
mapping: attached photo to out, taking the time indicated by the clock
10:25:38
